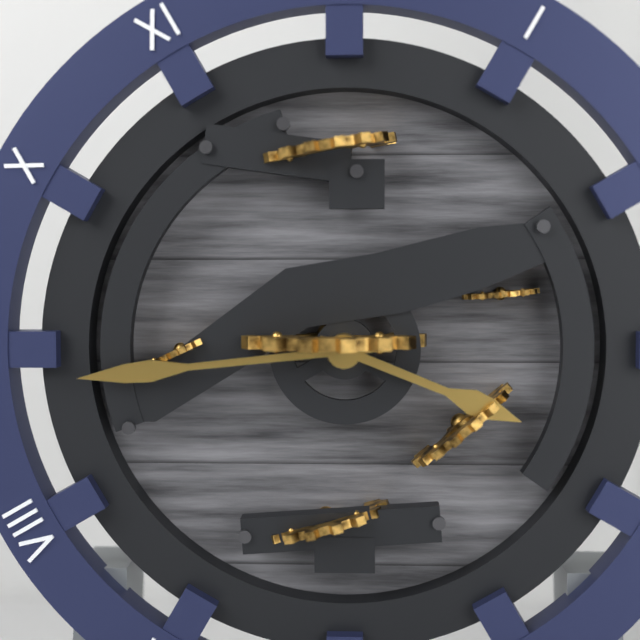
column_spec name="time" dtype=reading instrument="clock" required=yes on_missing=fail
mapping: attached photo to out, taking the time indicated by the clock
3:44
